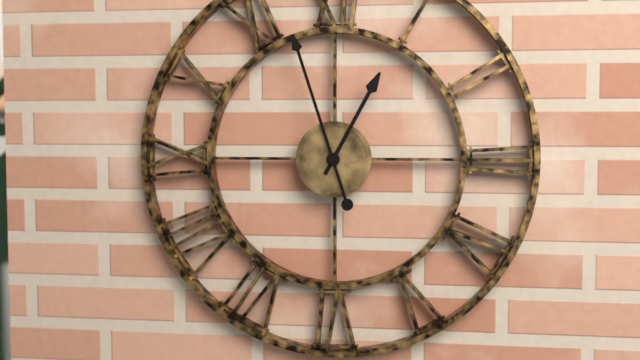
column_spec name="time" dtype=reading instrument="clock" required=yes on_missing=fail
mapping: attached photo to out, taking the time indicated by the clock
12:57
